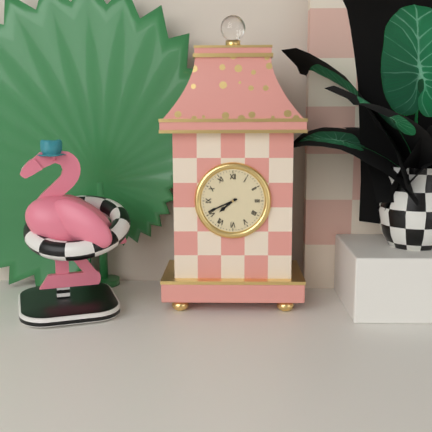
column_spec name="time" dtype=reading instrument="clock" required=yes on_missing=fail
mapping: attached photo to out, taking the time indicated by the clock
7:41
